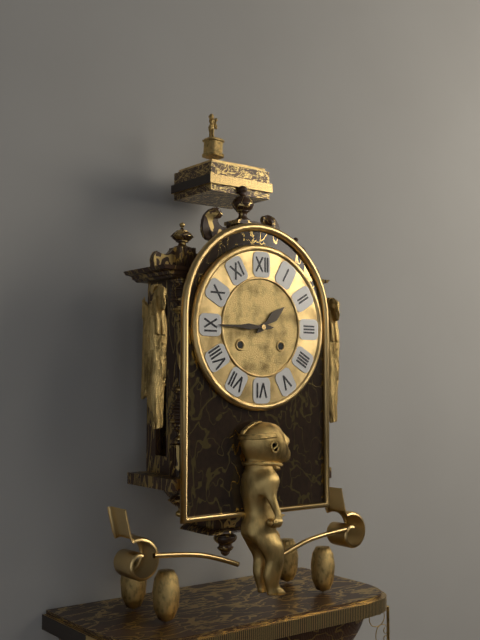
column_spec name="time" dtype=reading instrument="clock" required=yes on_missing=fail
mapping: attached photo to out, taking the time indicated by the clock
1:45
